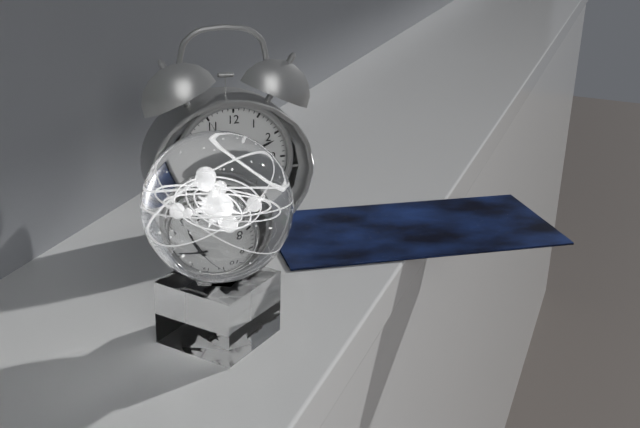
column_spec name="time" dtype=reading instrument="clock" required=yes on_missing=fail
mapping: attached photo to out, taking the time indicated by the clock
5:11:55
